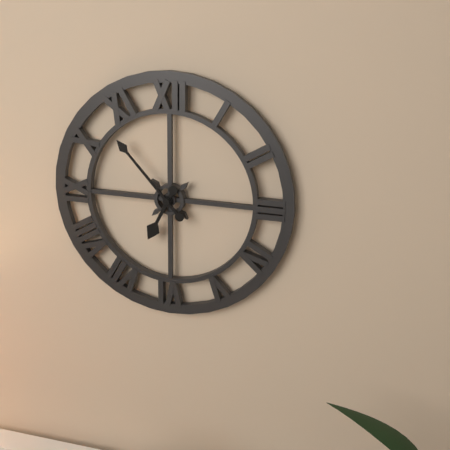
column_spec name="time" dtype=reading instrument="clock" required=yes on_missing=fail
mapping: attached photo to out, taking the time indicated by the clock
6:53
